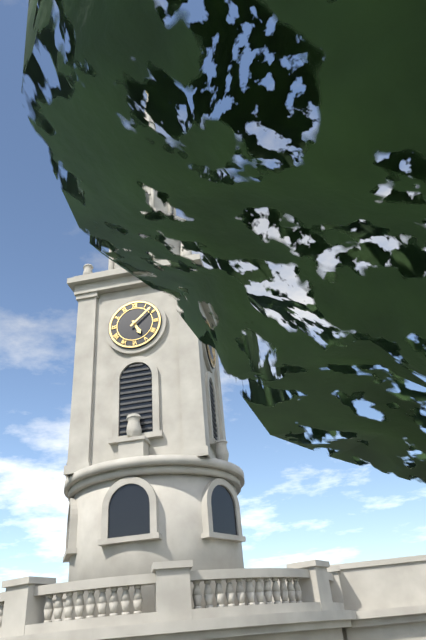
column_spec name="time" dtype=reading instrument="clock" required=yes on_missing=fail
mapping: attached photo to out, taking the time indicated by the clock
5:08
